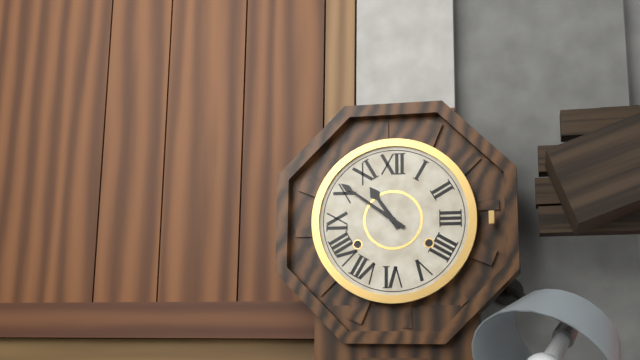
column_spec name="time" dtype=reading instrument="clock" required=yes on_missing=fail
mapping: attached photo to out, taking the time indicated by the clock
10:51
